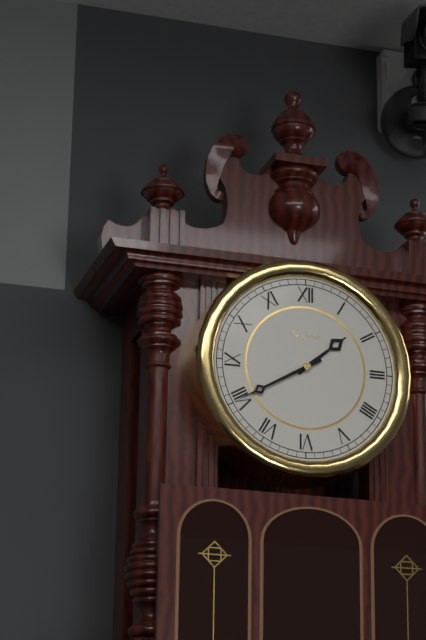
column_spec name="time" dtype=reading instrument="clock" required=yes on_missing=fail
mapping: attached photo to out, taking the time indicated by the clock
1:40
